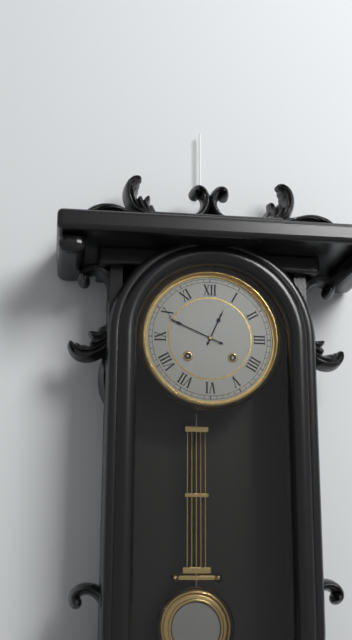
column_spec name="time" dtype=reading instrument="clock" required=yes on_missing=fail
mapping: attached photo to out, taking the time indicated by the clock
12:49
